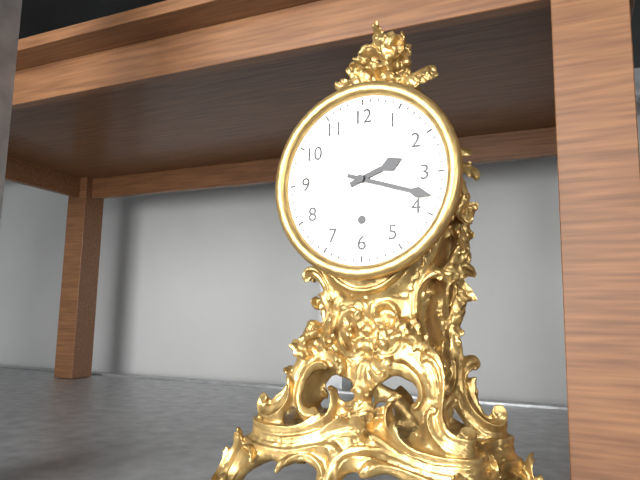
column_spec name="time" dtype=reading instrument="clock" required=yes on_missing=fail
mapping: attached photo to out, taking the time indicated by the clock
2:18
